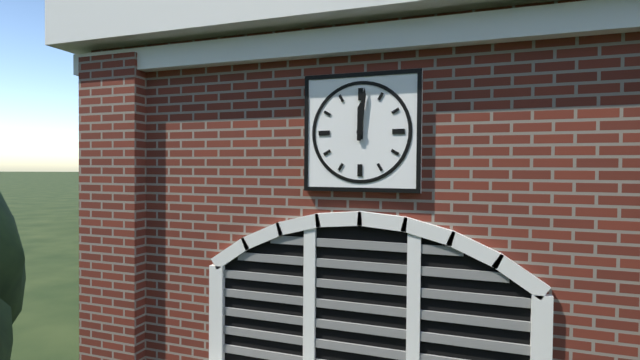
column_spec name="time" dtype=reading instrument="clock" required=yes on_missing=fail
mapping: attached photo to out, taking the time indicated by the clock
12:01
